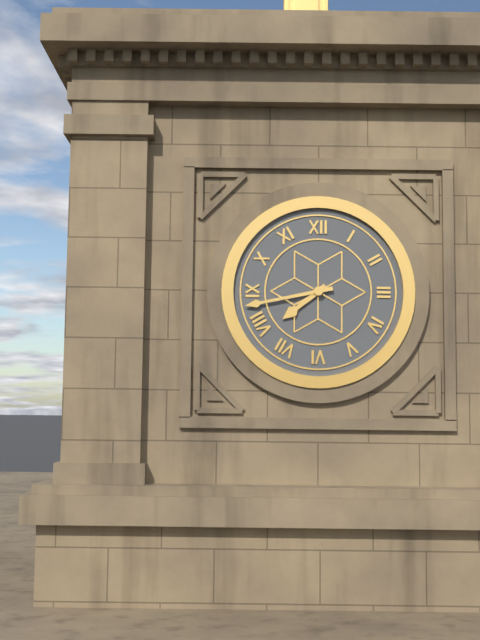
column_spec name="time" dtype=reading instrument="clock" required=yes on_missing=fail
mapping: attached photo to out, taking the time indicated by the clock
7:43
